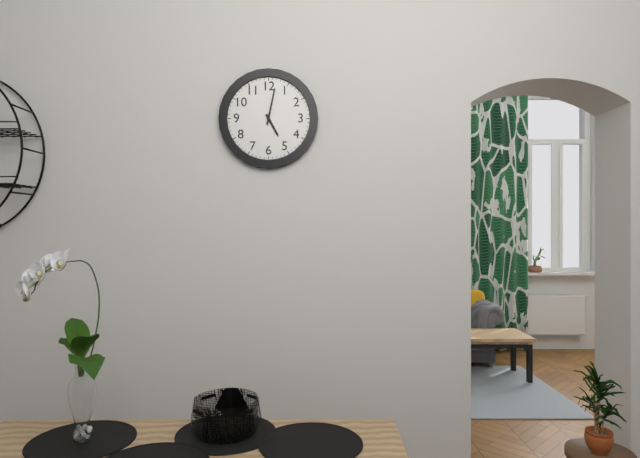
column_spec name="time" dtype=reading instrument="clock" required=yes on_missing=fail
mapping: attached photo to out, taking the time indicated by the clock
5:02
